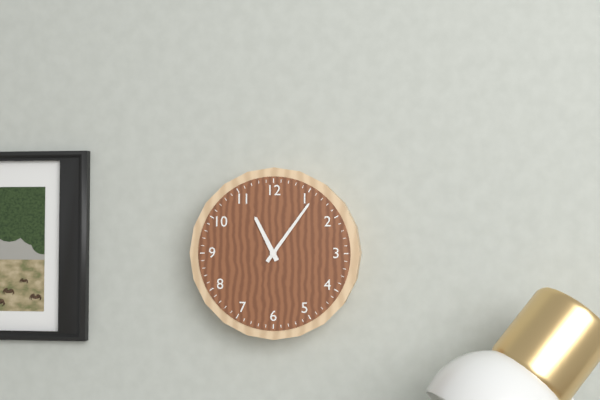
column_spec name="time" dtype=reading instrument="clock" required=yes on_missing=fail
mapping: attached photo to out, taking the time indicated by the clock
11:06
